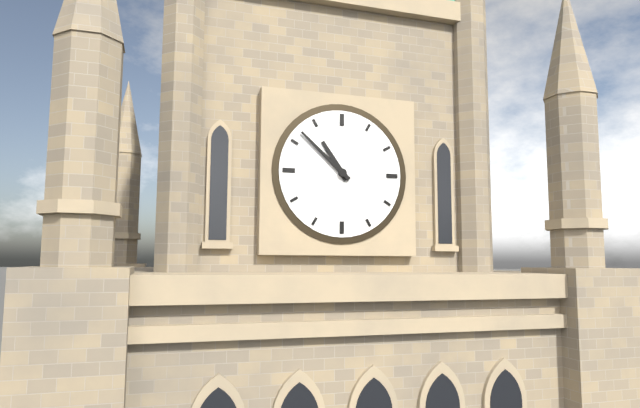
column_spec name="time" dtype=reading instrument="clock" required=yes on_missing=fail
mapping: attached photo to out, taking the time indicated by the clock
10:52
